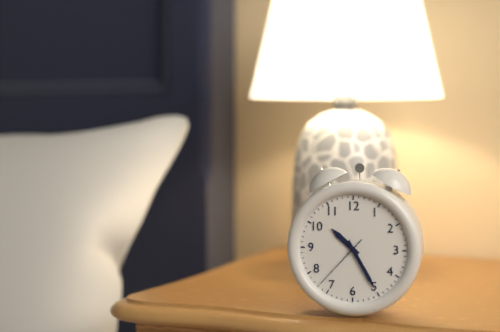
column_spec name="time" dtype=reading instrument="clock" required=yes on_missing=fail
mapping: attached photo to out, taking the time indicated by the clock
10:25:37
